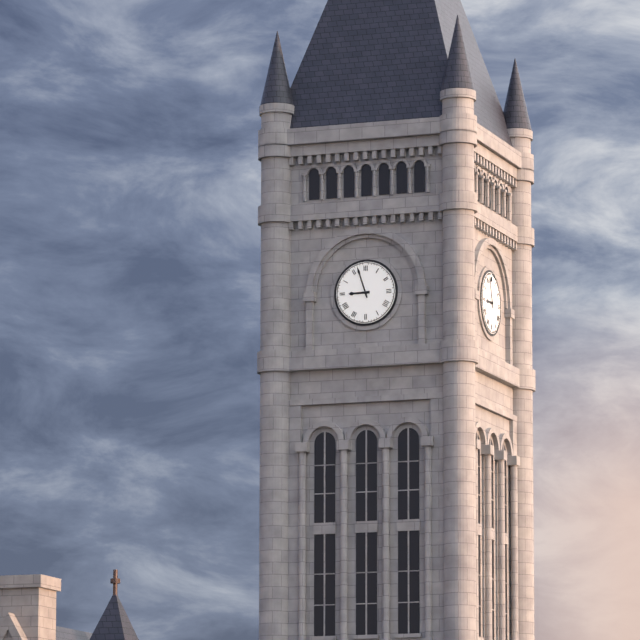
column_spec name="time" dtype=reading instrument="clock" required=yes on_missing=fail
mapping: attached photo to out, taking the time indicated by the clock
8:57
